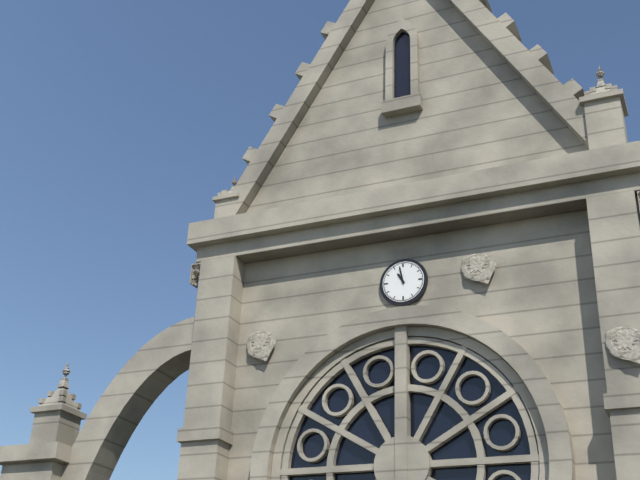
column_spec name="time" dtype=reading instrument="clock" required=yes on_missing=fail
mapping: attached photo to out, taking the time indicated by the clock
10:58
